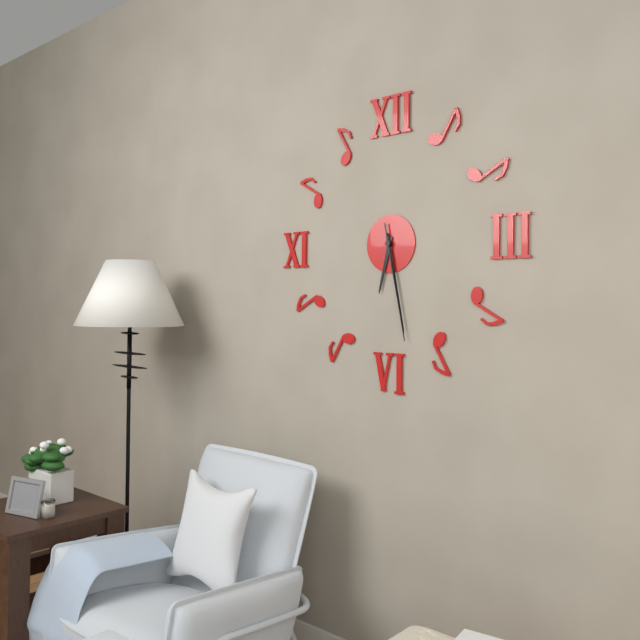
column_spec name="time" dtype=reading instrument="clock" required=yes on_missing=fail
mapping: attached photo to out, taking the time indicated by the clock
6:28:28
